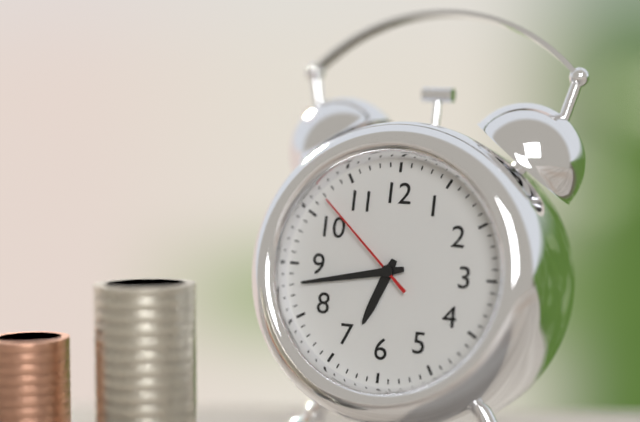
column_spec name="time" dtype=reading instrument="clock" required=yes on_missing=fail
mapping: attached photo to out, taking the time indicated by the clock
6:43:52
